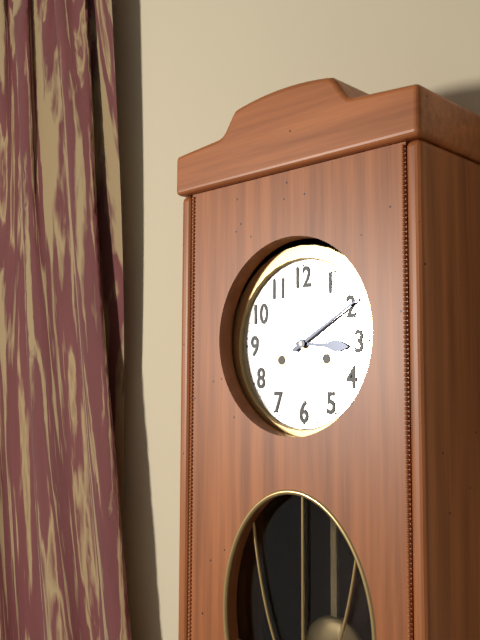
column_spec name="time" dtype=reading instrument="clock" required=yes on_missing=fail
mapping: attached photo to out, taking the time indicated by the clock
3:10
